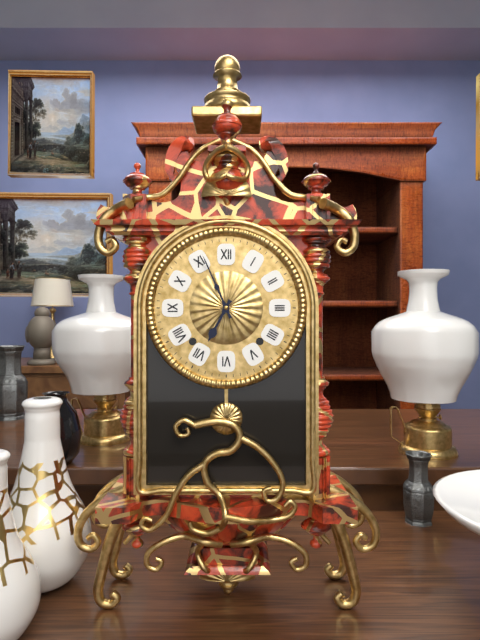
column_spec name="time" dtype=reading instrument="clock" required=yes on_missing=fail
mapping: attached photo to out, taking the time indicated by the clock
6:56
